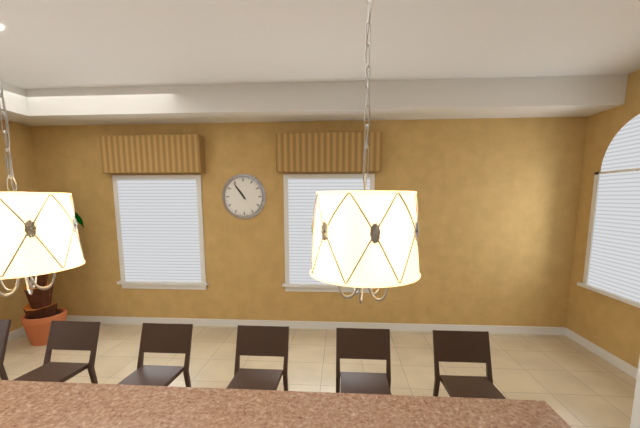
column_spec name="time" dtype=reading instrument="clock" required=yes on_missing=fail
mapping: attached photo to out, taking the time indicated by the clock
10:54
